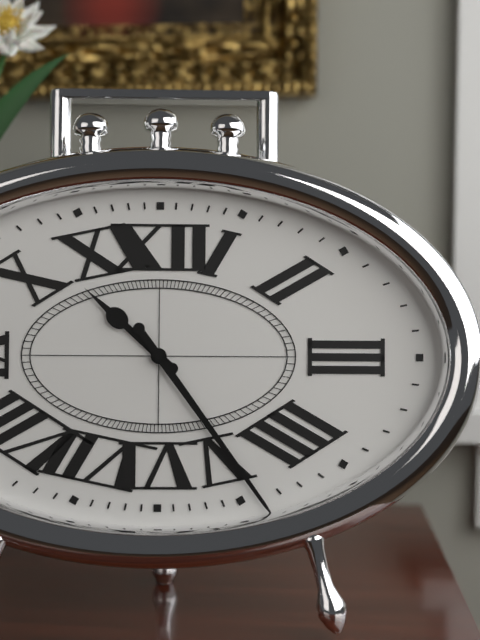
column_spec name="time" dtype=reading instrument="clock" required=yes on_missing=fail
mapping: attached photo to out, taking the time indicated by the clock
10:24
